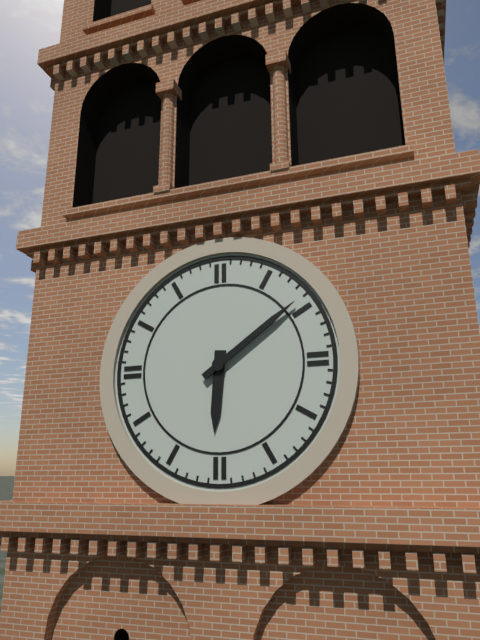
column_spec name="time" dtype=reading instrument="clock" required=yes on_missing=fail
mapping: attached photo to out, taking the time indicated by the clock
6:09
